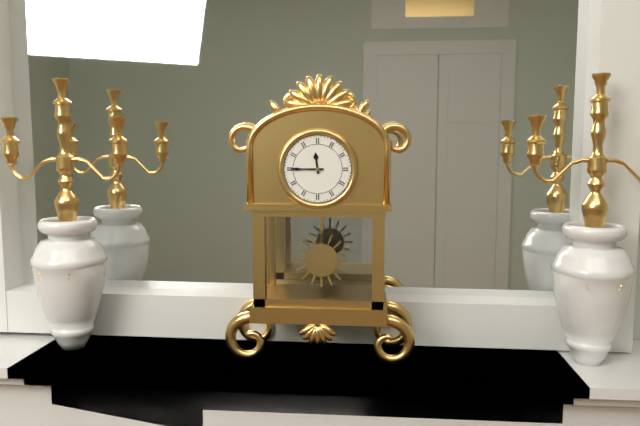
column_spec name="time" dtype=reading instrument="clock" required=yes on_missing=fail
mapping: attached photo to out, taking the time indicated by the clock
11:45
